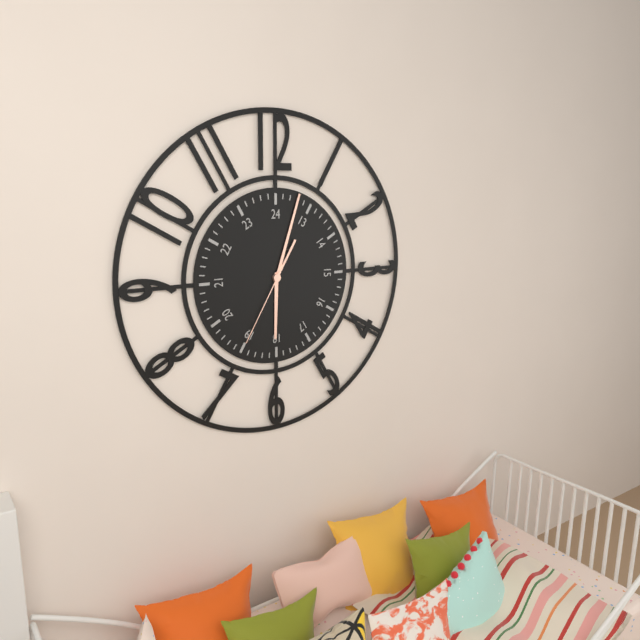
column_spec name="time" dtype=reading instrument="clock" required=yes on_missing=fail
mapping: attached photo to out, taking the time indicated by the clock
6:03:35
